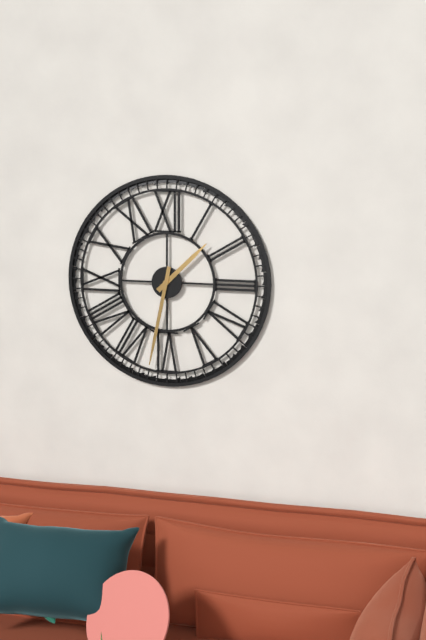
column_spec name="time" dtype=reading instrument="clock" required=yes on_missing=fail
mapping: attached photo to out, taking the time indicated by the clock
1:32
